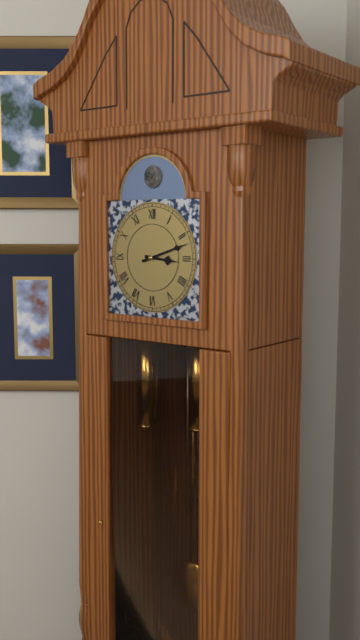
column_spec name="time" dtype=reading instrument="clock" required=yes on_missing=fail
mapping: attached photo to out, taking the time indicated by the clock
3:12
